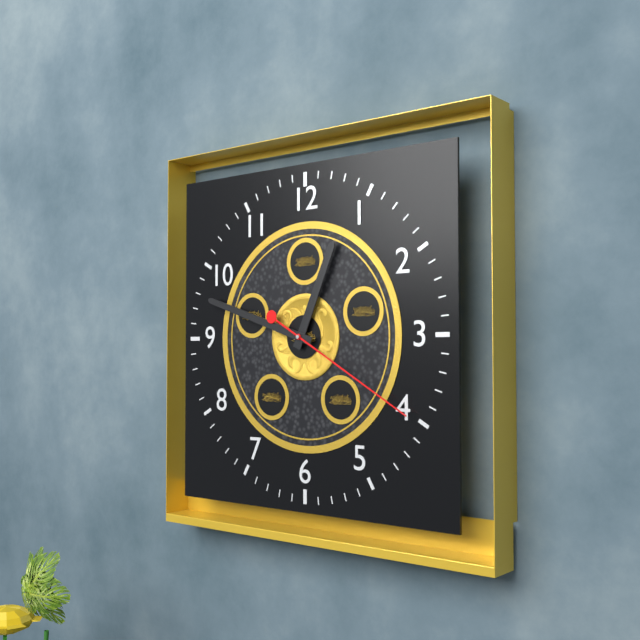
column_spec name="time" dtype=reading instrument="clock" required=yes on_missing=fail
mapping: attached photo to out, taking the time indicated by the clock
12:48:20
